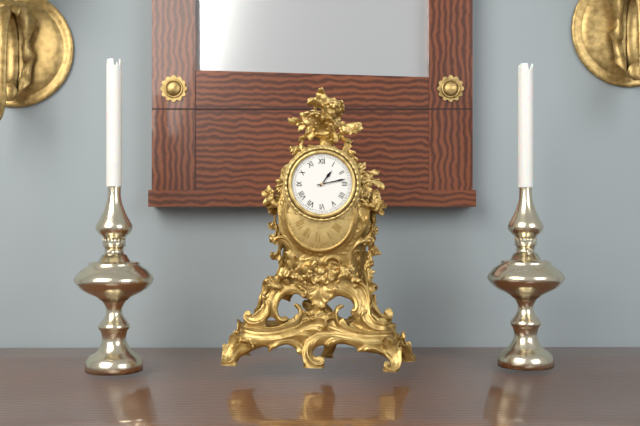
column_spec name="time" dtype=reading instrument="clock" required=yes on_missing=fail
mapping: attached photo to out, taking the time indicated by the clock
1:13
